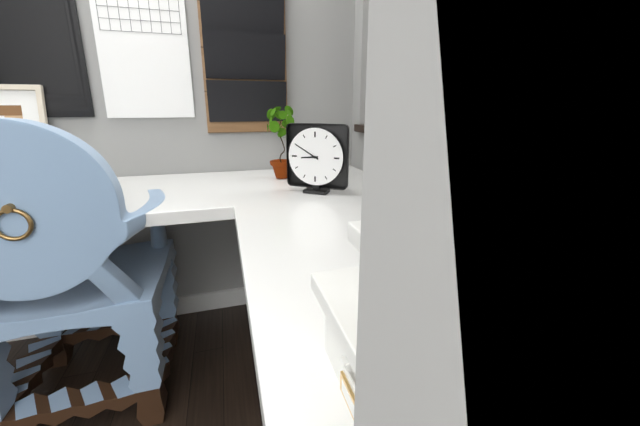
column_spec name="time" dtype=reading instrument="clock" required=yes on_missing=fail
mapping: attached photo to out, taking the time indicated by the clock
8:50
